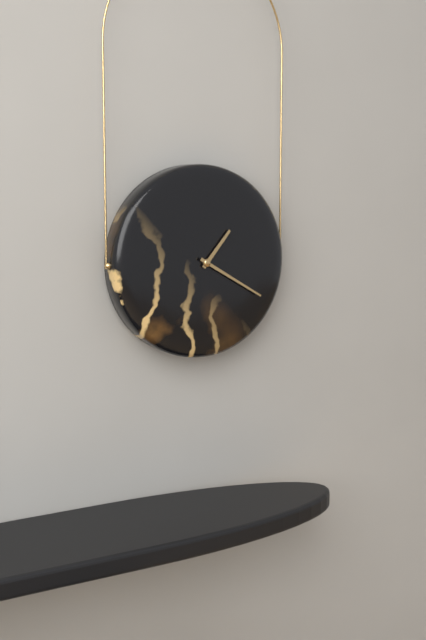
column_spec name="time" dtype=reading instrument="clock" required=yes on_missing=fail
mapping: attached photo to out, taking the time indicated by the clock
1:20
